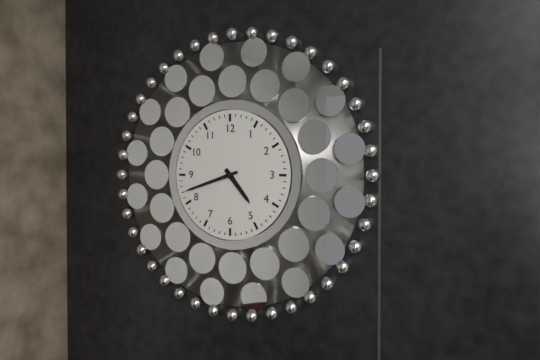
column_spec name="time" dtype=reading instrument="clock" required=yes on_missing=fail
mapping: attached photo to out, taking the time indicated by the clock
4:42
